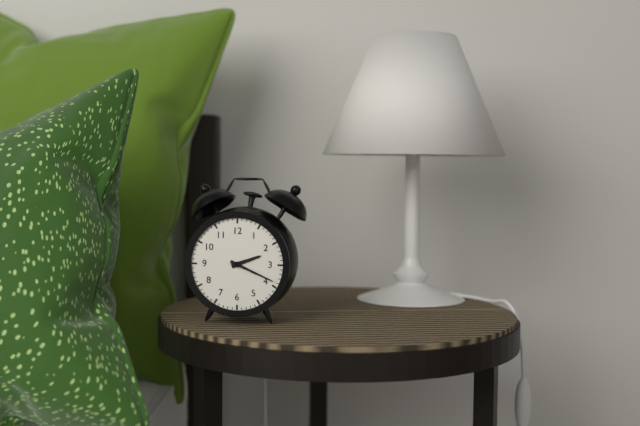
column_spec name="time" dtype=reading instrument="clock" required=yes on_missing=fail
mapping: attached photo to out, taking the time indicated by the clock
2:19
